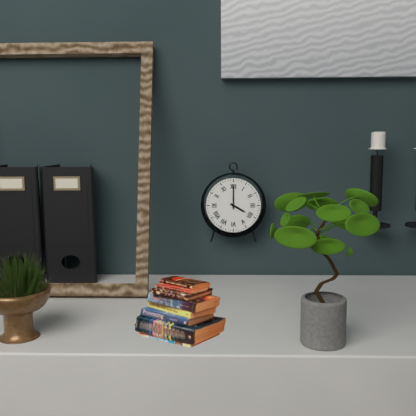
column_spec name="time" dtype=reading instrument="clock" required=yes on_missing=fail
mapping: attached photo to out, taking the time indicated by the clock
4:00
